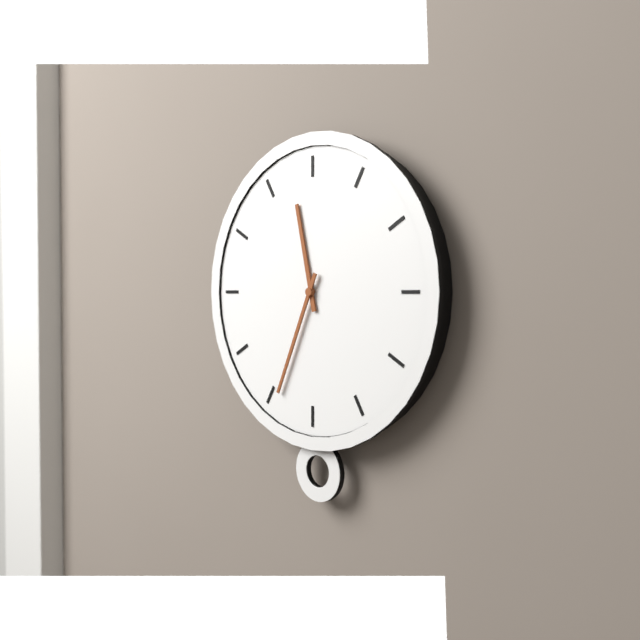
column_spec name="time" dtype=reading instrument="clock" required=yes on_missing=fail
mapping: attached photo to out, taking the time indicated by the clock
11:34
